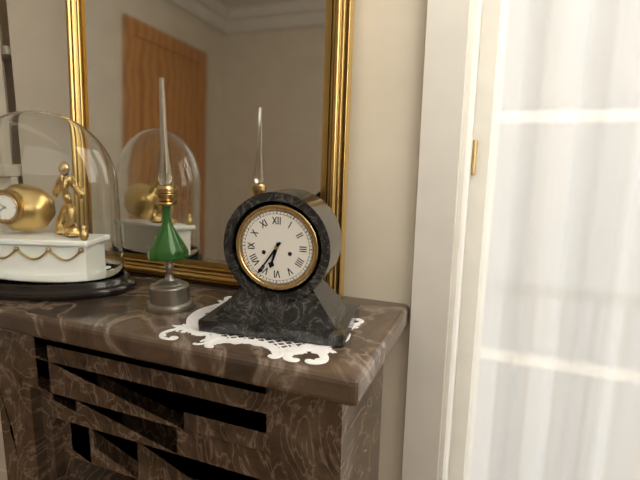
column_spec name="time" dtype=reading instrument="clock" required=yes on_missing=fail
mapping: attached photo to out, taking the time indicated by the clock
6:36
